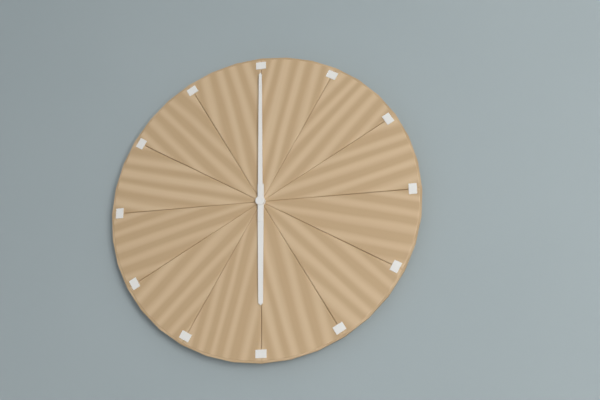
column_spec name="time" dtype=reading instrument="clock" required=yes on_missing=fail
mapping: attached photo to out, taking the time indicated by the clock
6:00
